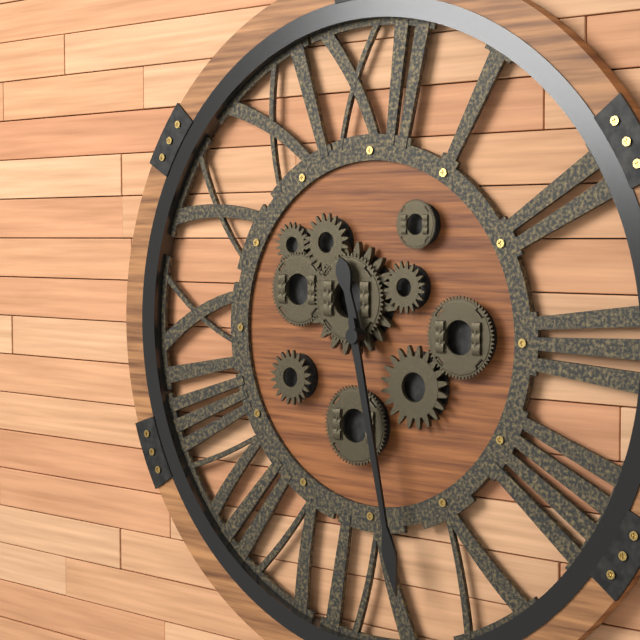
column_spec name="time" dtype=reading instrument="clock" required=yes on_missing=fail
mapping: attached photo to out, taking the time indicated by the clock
11:28
